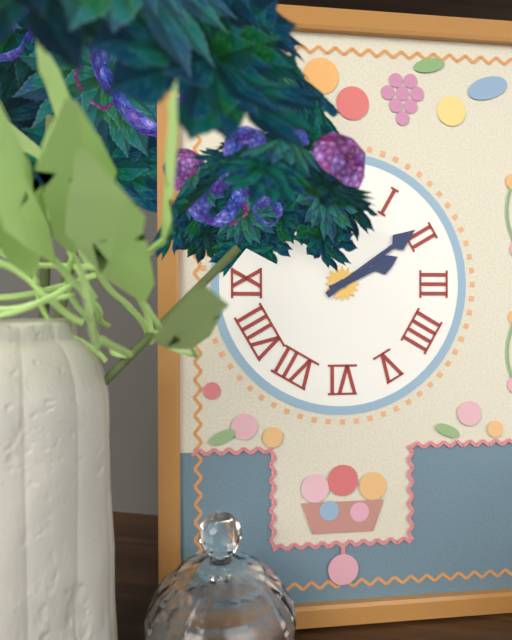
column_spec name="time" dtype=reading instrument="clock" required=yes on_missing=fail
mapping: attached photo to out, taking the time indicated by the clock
2:09
